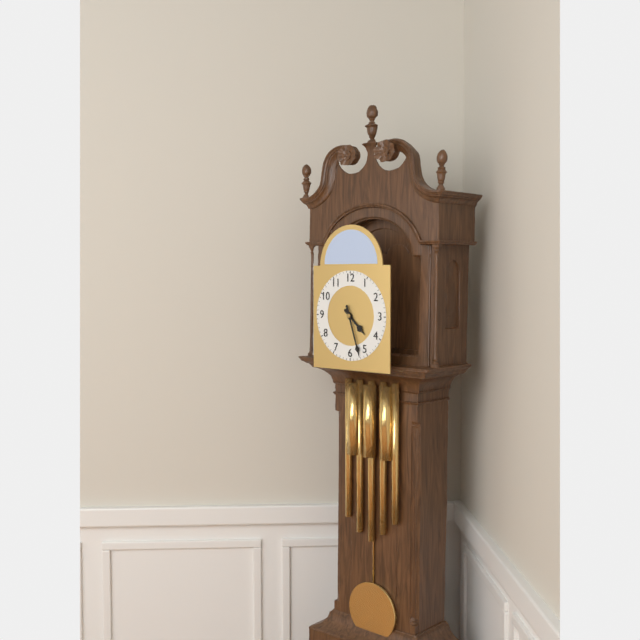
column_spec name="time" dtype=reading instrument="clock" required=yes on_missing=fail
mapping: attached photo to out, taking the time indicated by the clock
4:27
